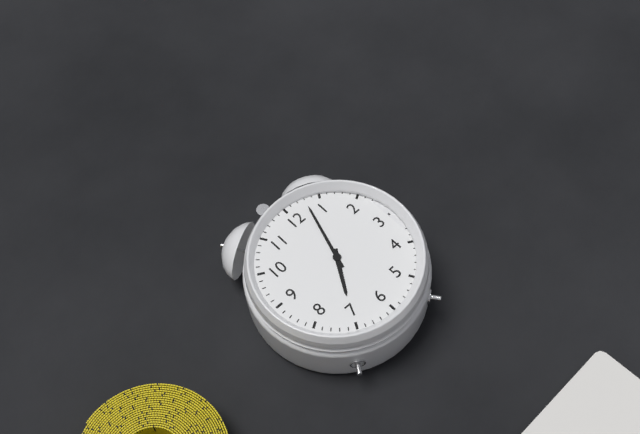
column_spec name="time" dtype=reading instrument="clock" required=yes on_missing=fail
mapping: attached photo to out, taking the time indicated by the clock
7:03
